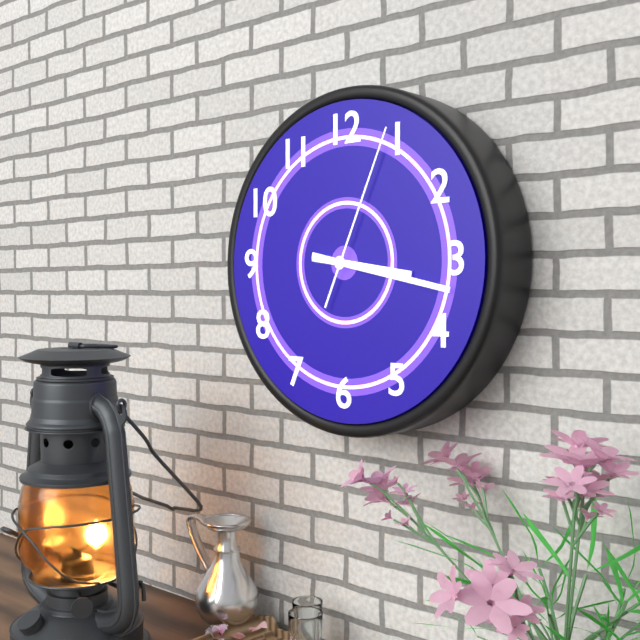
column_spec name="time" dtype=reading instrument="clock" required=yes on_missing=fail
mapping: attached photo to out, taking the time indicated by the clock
3:17:04
